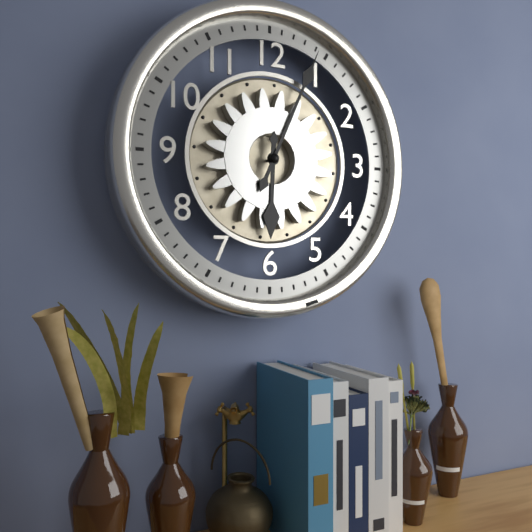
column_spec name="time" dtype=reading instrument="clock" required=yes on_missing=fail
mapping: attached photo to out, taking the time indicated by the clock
6:04
